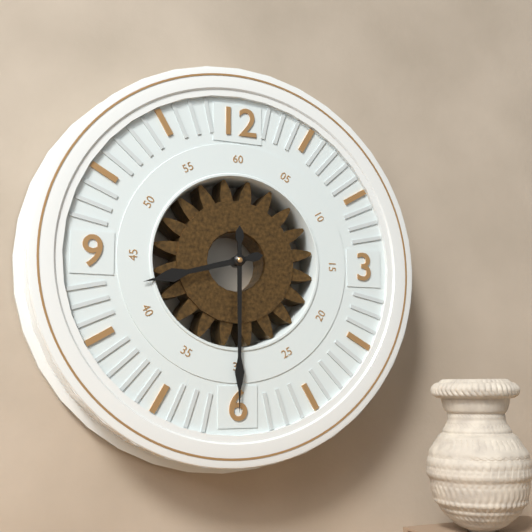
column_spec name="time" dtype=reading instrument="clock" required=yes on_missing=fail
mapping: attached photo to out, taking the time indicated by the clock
8:30
